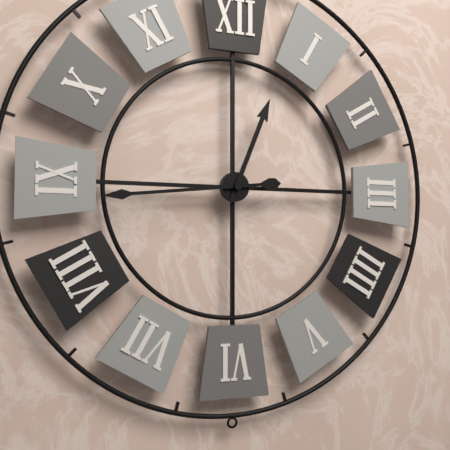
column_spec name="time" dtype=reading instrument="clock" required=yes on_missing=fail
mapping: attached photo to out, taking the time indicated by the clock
12:44
